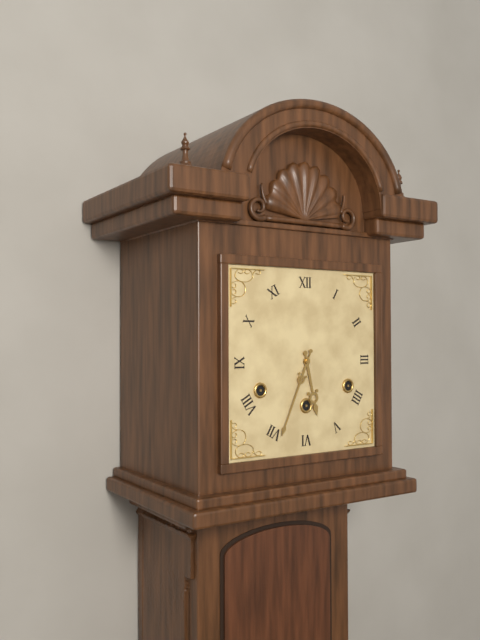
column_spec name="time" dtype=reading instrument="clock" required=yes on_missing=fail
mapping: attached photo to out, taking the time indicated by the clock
5:34
